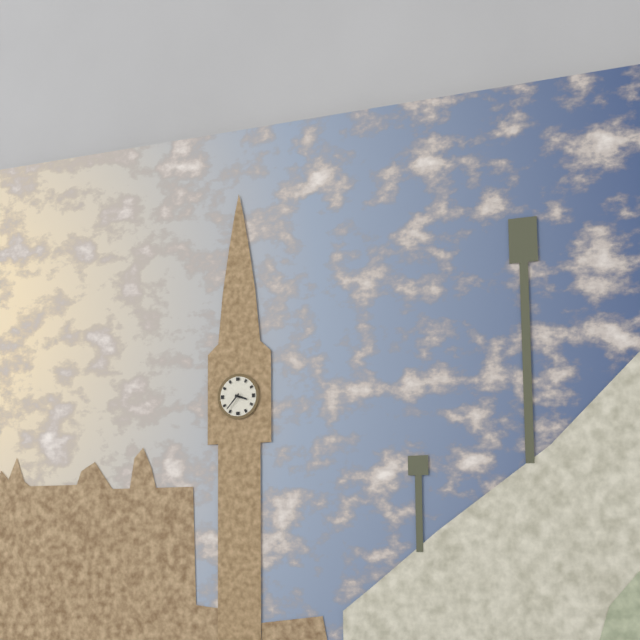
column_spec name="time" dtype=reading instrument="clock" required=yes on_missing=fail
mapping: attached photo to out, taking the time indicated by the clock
3:37
